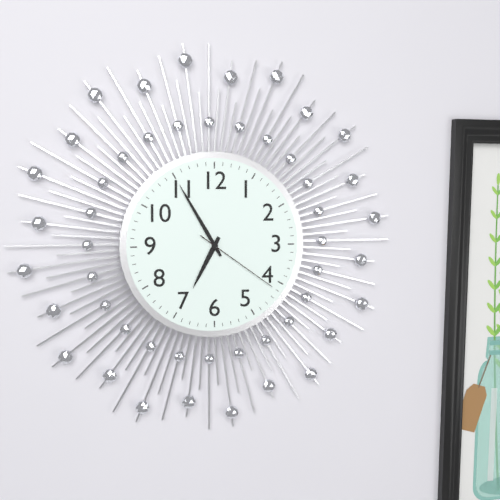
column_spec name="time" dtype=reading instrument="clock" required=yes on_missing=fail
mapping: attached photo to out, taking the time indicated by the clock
6:55:21
